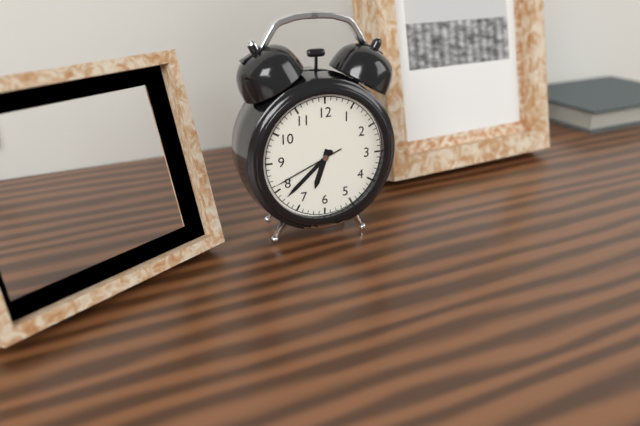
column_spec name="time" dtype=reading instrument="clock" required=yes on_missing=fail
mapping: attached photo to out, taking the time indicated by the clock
6:38:41
